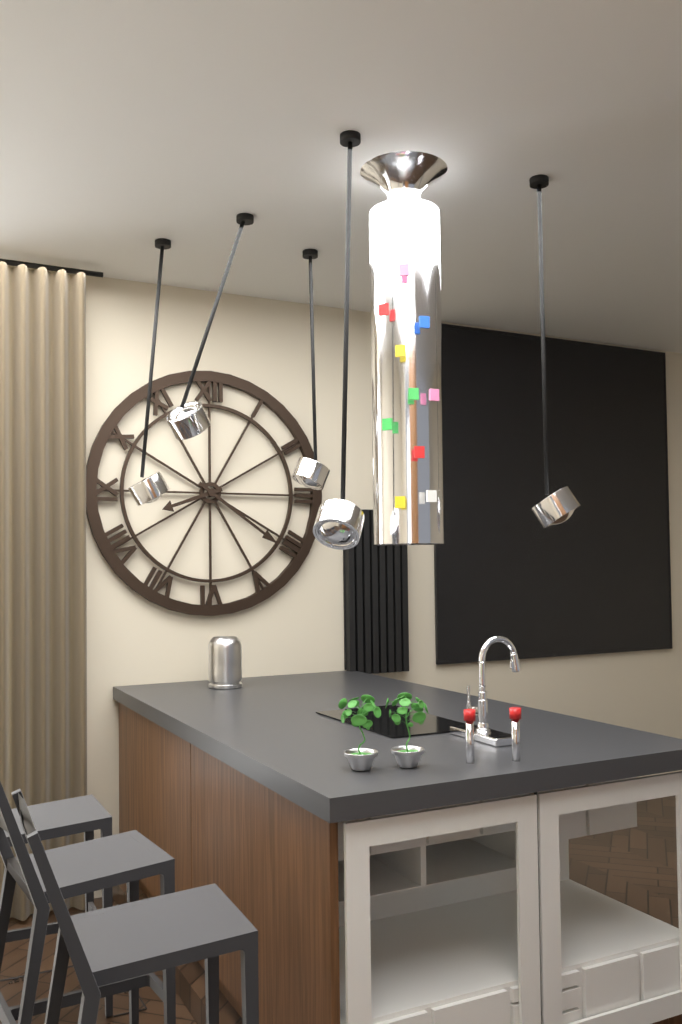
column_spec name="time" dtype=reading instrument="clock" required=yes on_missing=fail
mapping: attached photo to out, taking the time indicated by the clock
8:21
